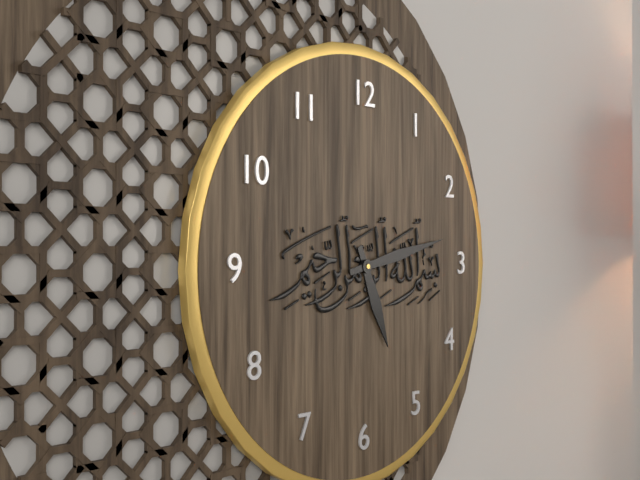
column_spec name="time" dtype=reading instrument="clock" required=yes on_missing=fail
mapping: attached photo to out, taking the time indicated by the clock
5:13
